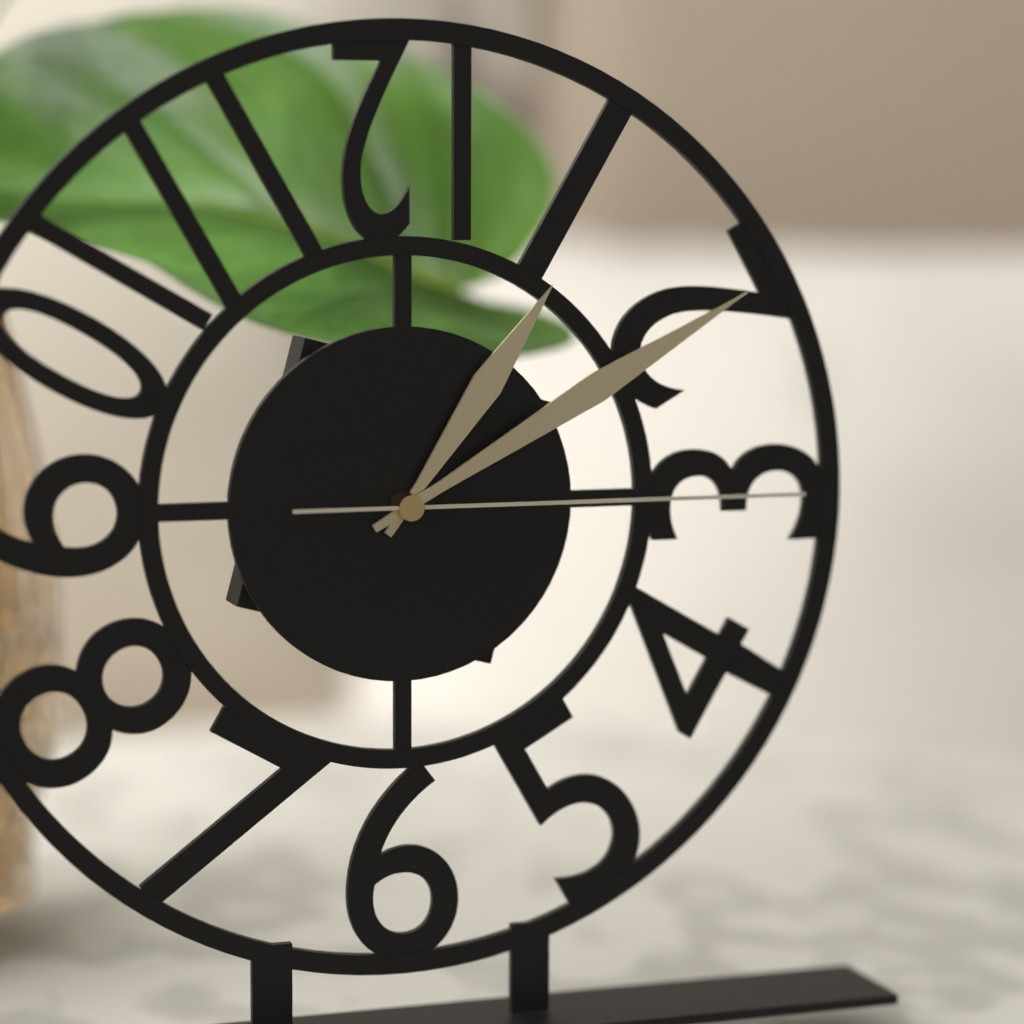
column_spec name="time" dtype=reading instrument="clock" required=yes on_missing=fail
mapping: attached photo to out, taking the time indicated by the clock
1:10:15
